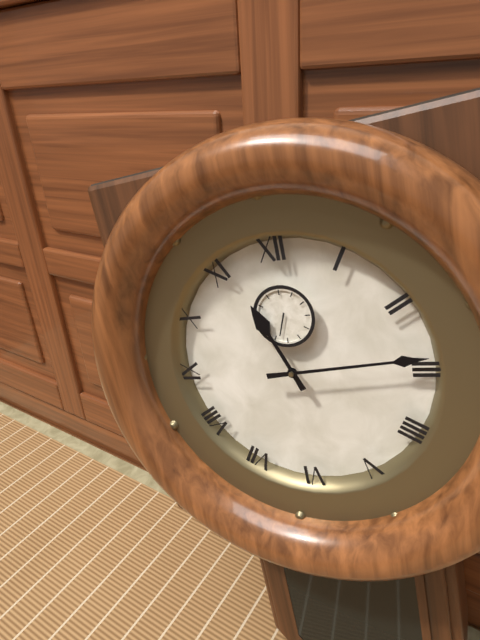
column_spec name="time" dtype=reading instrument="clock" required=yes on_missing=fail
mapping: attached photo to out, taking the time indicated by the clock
11:14
